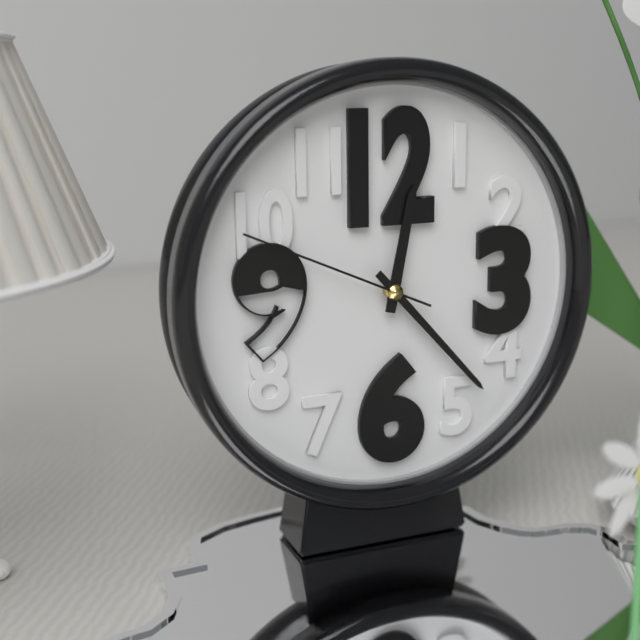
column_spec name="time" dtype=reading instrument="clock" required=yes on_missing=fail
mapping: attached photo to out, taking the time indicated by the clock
12:23:49
